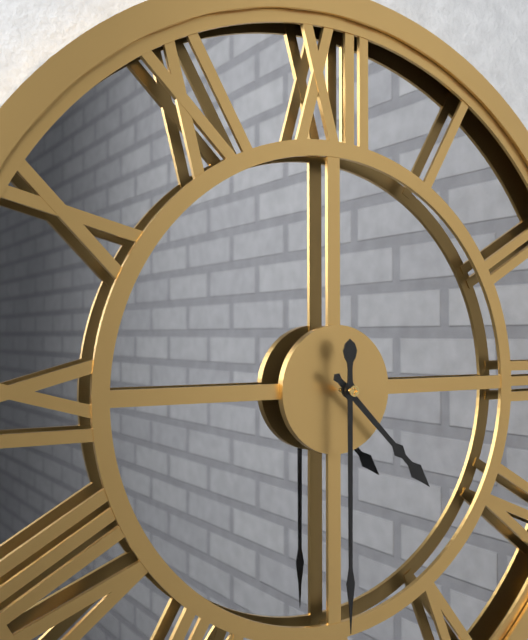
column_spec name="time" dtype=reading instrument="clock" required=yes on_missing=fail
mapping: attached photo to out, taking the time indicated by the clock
4:30
